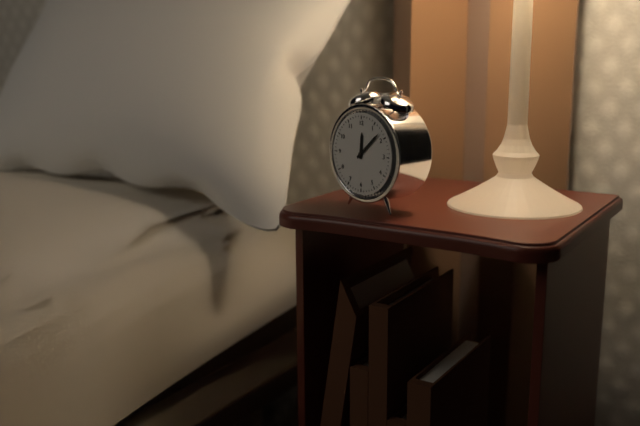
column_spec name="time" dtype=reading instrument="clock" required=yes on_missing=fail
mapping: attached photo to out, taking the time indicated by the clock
12:08
